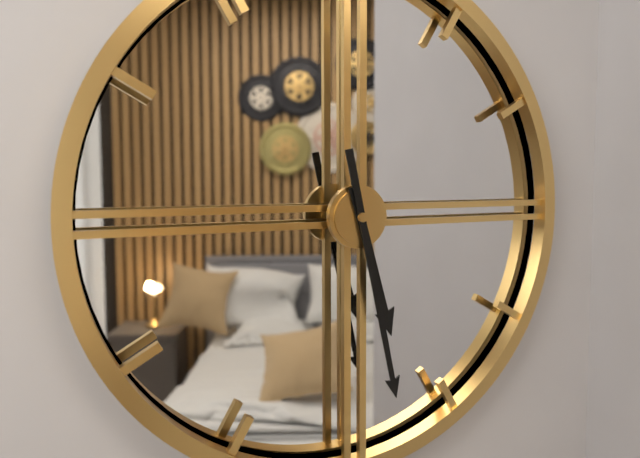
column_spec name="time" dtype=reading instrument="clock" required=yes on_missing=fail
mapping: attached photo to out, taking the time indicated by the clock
5:28
